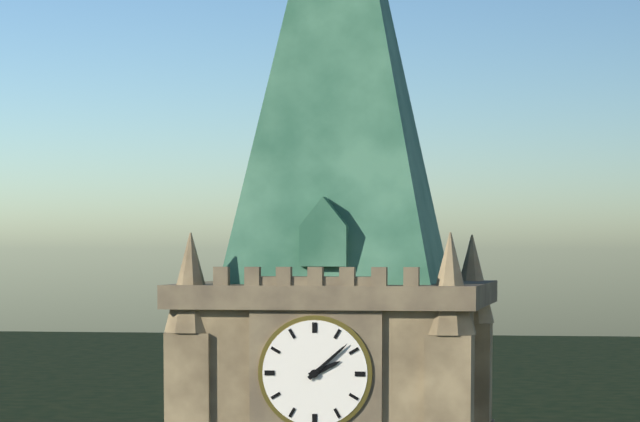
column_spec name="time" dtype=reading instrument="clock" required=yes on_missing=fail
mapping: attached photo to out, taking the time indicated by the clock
2:08
